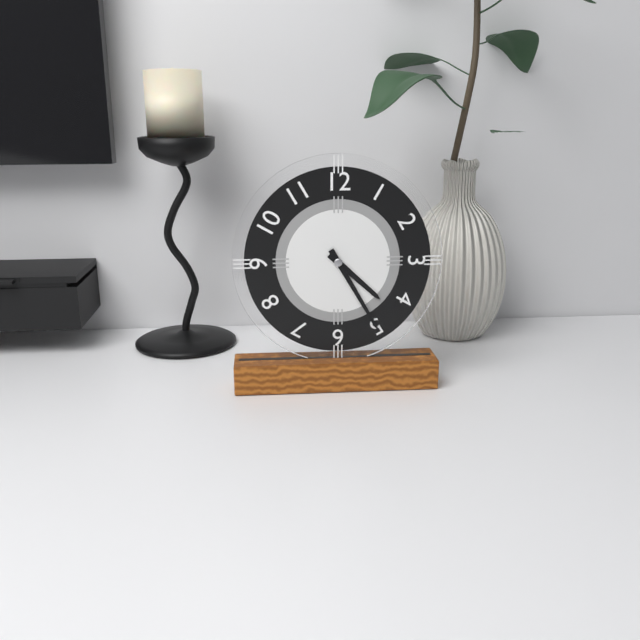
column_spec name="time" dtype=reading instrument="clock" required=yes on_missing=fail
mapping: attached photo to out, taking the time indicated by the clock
4:25
